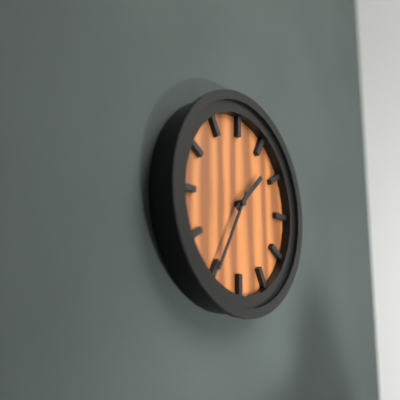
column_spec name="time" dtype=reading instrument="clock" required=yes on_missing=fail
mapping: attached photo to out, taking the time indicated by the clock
1:35
